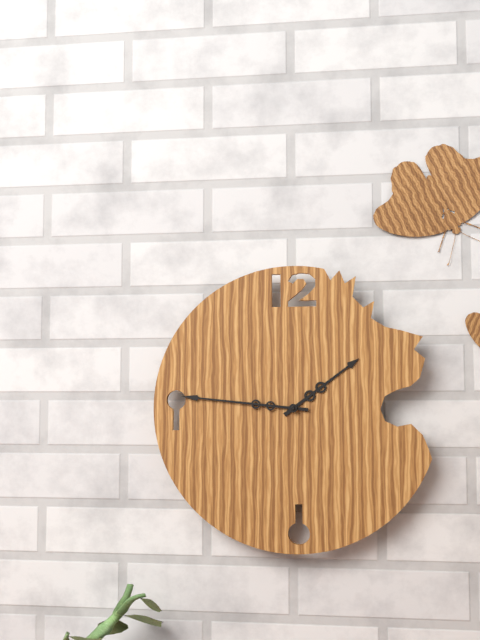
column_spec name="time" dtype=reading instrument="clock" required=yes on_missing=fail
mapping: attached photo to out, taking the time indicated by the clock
1:46
